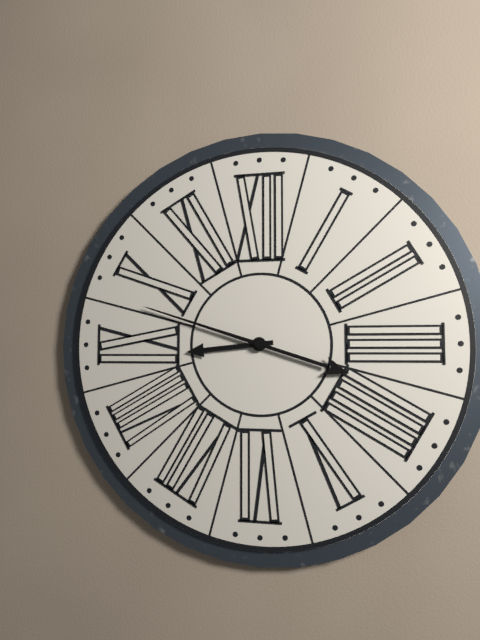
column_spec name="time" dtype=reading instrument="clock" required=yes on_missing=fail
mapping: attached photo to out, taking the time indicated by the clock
8:48
